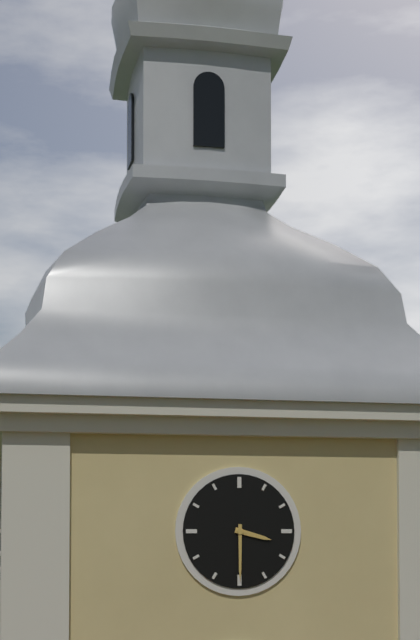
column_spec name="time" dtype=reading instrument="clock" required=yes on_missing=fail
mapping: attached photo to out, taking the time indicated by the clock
3:30
